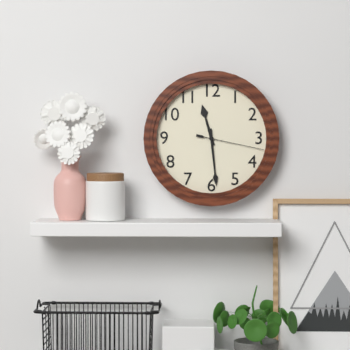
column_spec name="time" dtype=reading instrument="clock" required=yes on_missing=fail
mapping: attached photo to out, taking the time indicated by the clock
11:29:17
